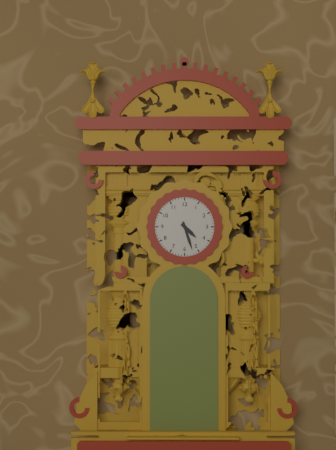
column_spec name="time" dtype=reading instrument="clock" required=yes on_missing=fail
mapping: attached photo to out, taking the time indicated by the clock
4:27
